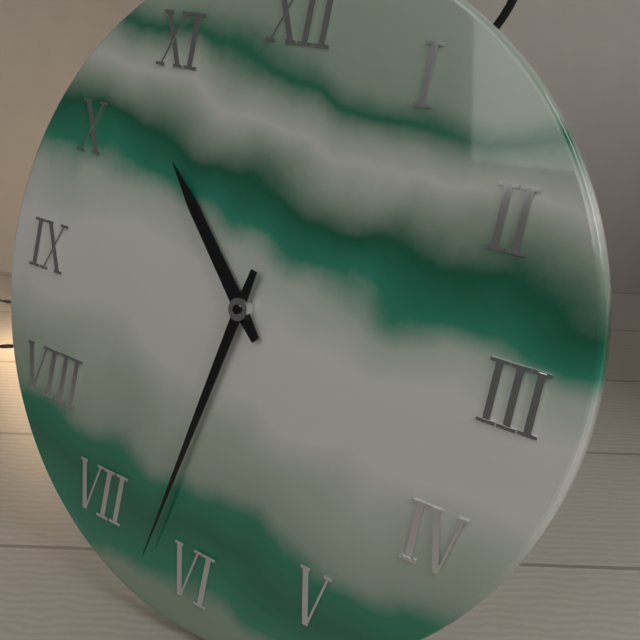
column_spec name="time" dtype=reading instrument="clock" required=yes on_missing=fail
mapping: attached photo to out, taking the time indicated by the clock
10:32
